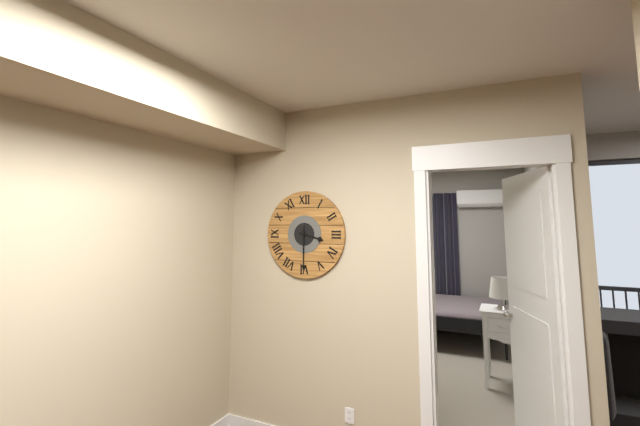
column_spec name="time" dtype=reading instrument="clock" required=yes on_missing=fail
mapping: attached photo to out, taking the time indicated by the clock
3:30
